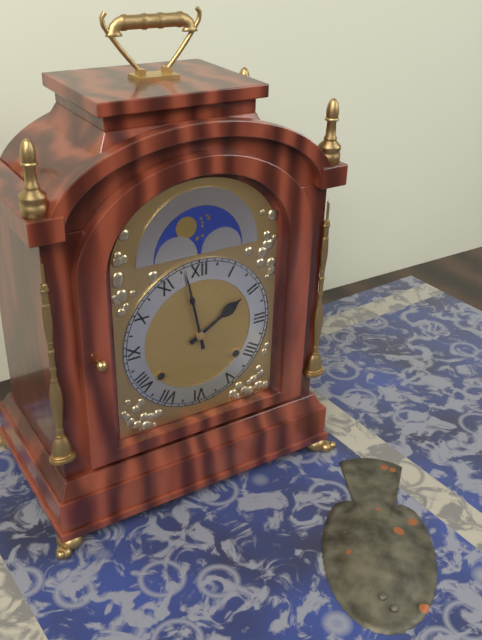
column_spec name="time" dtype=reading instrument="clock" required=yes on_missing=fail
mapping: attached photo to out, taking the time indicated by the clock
1:58
